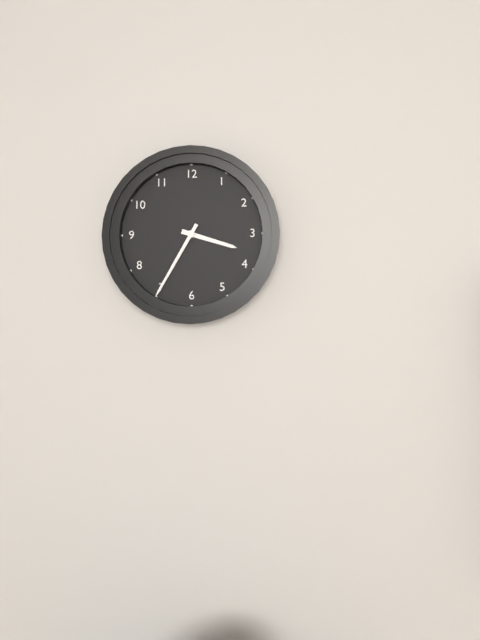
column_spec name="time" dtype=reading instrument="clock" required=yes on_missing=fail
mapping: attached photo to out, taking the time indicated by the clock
3:35
